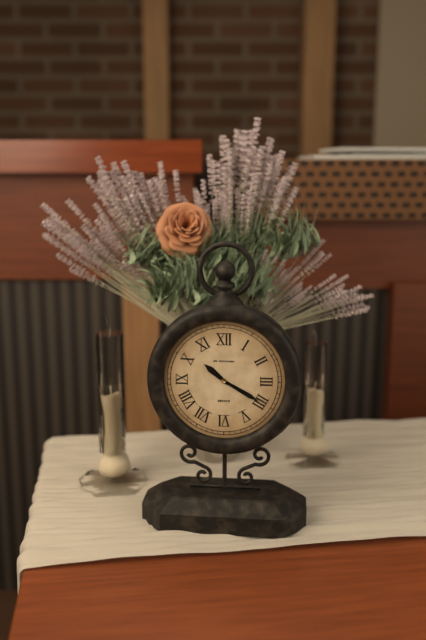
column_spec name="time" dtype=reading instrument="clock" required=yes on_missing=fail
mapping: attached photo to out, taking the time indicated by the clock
10:20
